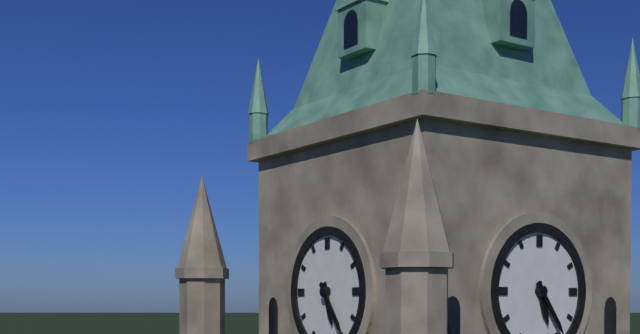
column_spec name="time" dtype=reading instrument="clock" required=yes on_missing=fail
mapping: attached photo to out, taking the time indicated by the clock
5:24
